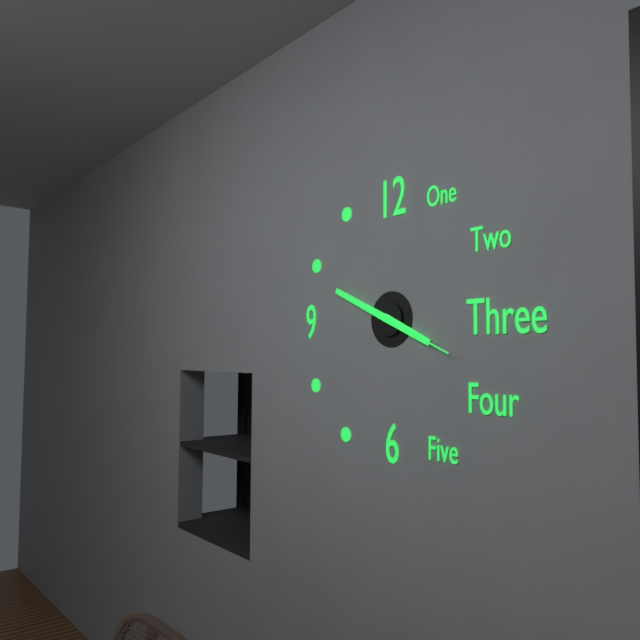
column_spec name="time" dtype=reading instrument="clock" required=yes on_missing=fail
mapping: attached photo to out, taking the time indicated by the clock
3:49:19
